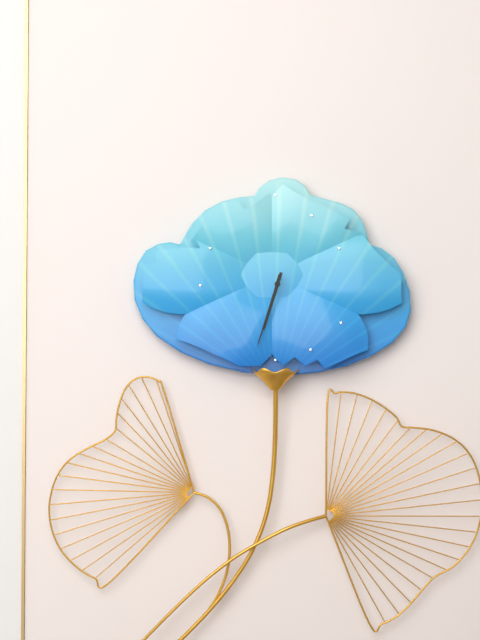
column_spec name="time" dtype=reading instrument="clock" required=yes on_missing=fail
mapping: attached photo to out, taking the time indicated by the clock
6:33
